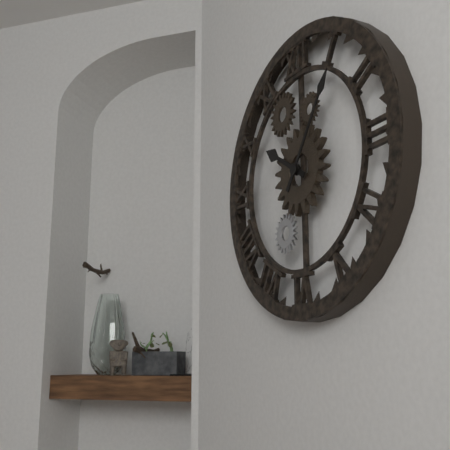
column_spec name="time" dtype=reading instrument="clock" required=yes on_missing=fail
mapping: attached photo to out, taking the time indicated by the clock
10:06
